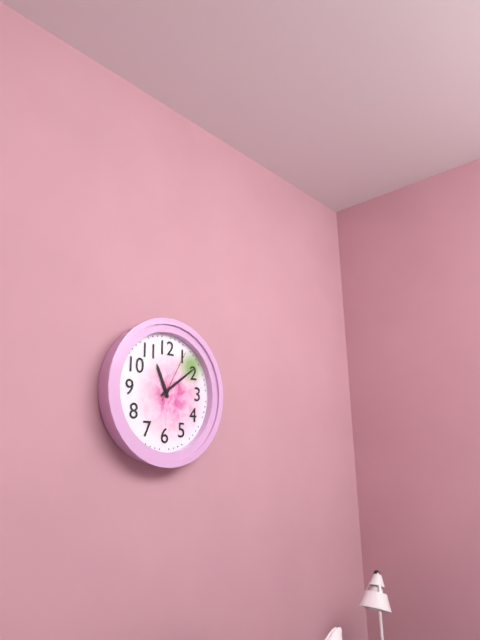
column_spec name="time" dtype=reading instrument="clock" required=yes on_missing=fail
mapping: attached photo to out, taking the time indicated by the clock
11:09:05
